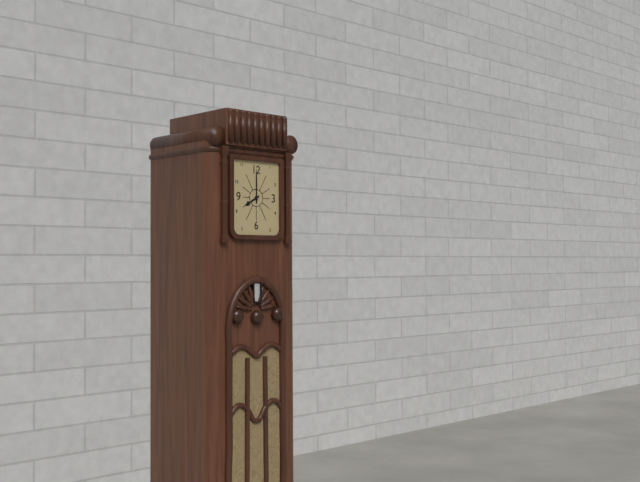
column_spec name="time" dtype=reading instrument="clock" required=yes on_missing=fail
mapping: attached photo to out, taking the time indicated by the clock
8:00
